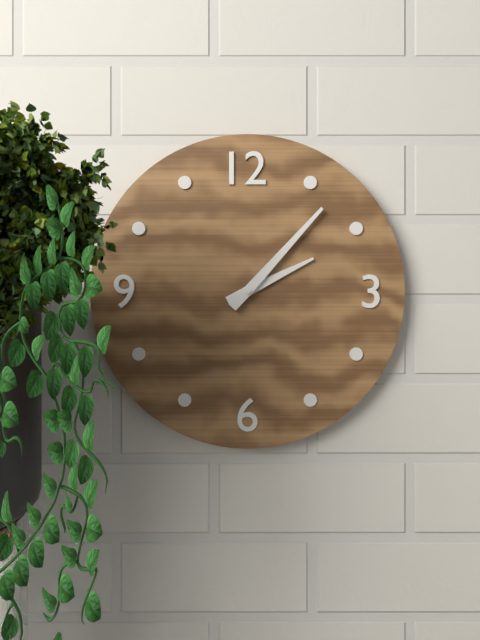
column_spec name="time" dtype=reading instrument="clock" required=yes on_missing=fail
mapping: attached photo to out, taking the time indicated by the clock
2:07
